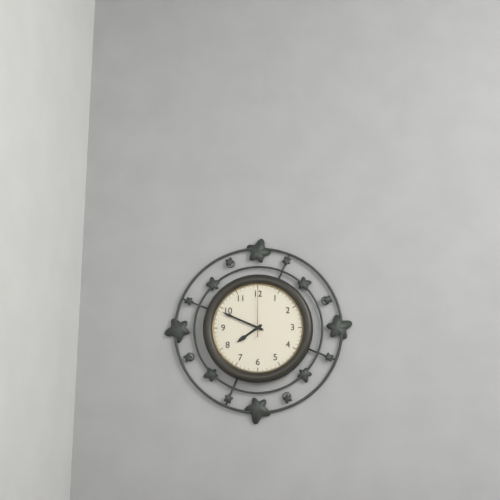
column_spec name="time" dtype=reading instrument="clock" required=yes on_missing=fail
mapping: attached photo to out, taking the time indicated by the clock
7:49:00
